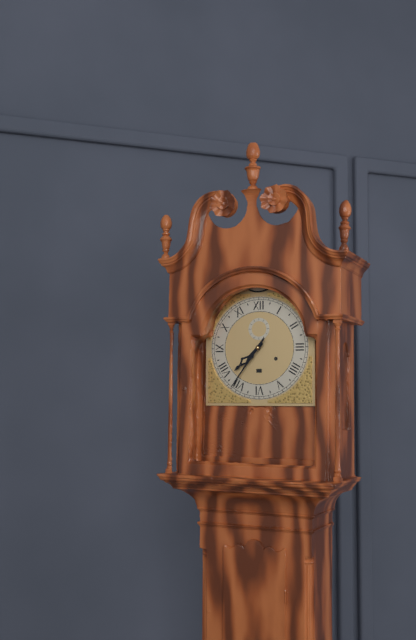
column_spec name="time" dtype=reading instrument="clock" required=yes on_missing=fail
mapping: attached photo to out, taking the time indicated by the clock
7:36
